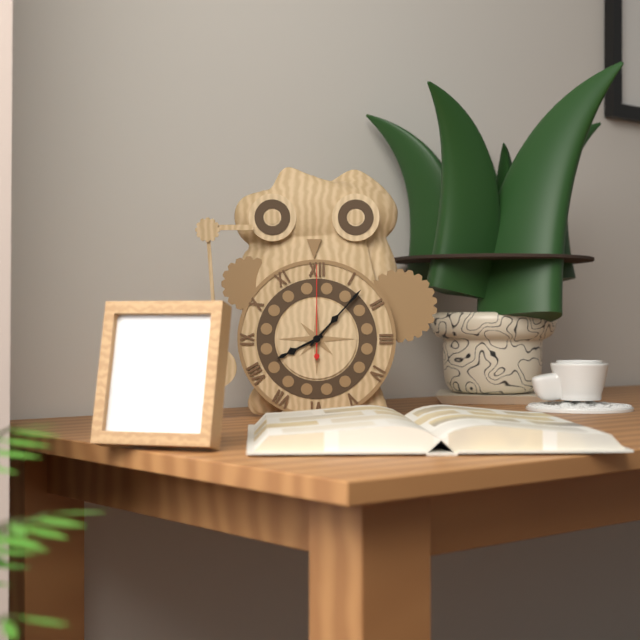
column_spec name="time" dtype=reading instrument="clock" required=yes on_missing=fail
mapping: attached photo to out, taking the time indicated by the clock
8:07:00
